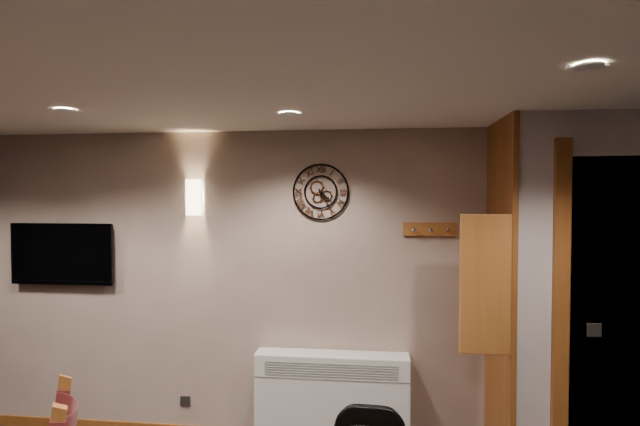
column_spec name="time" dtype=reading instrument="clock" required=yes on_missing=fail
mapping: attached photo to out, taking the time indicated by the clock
4:25
